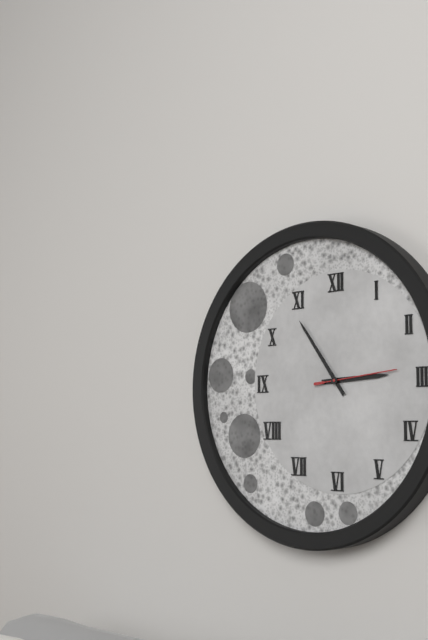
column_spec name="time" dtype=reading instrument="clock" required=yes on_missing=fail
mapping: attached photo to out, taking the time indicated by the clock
2:54:14
